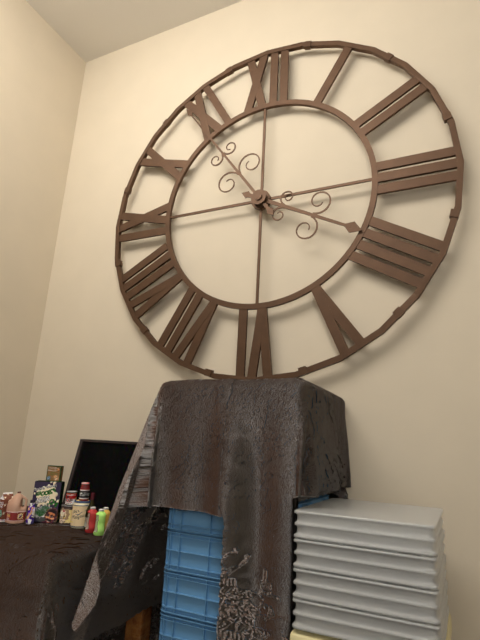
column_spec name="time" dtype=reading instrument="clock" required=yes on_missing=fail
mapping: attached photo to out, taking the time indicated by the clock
3:54
